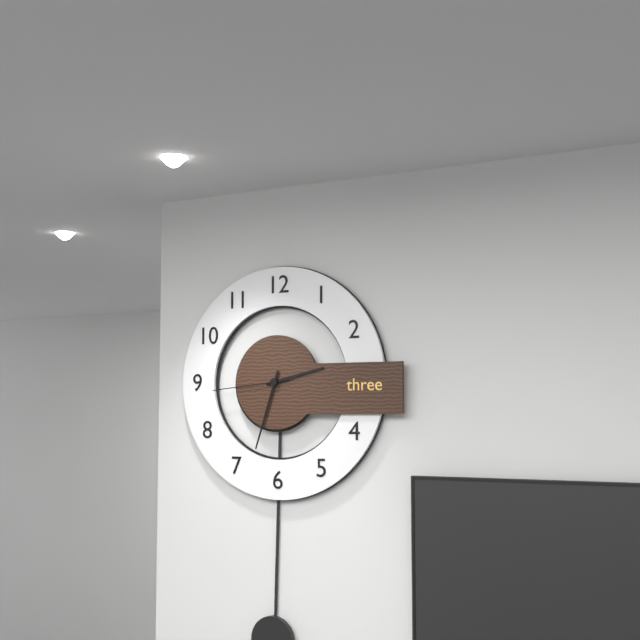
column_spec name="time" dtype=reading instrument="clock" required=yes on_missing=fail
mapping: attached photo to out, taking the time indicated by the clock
2:33:44
